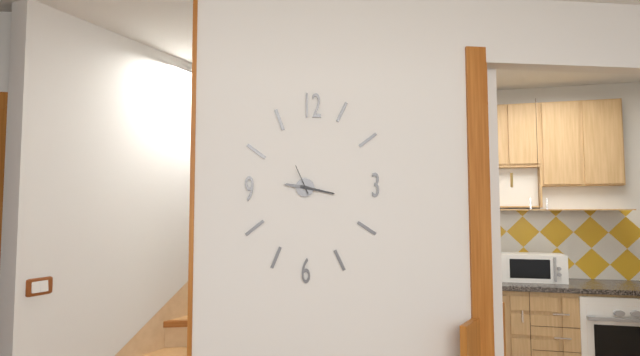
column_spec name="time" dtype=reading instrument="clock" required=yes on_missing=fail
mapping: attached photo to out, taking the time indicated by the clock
9:17
